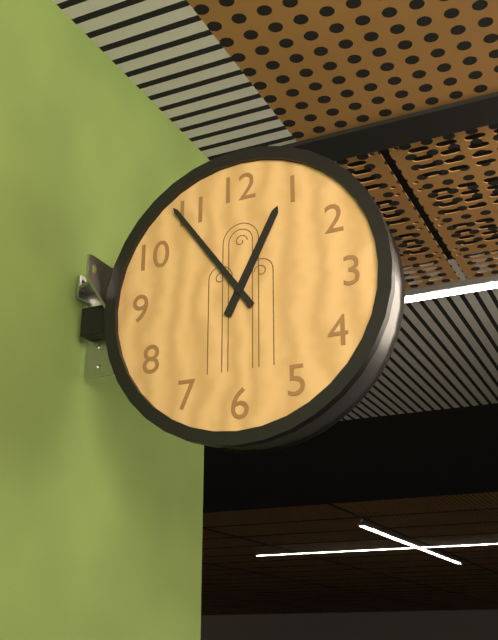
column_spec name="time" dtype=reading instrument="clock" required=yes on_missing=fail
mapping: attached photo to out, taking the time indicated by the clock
12:54
